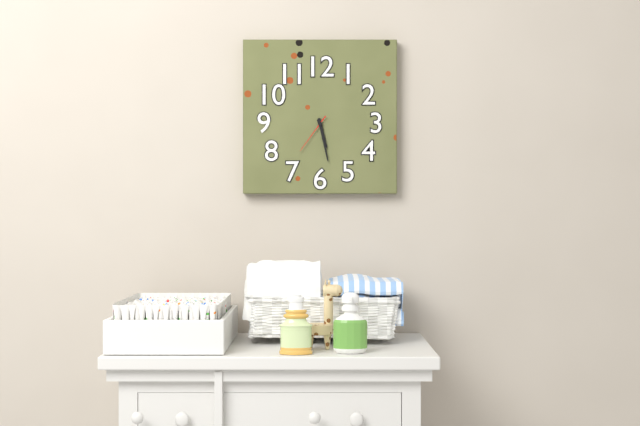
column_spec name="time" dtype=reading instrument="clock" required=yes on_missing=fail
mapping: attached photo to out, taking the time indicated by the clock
5:28
